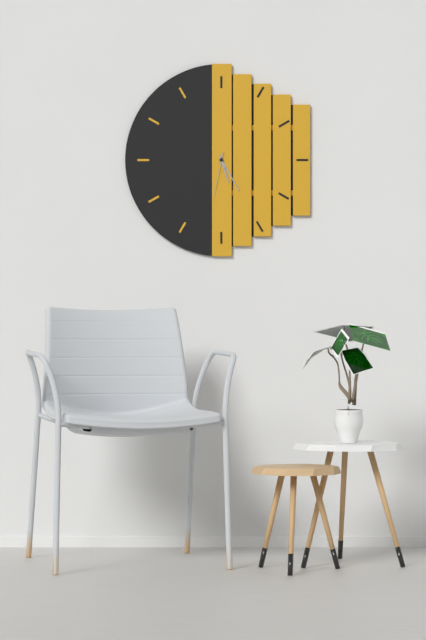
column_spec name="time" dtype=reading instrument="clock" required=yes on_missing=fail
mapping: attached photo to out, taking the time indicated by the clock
5:25
